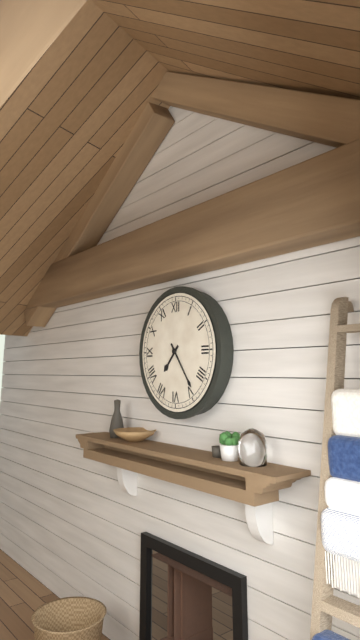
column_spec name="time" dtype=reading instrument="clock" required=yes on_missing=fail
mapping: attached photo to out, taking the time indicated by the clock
7:24
